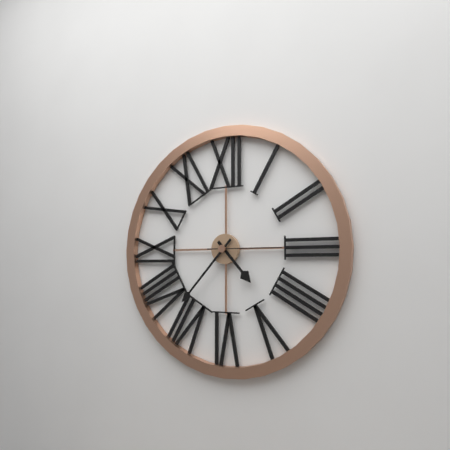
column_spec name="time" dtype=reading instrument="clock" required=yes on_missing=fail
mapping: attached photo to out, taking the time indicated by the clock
4:37:15
